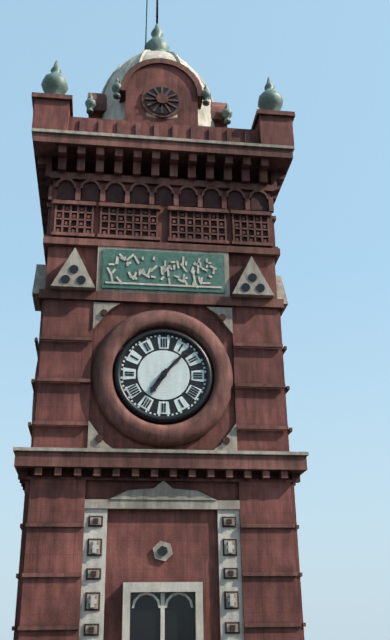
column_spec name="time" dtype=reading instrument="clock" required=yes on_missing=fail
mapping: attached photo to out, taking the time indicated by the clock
7:07
